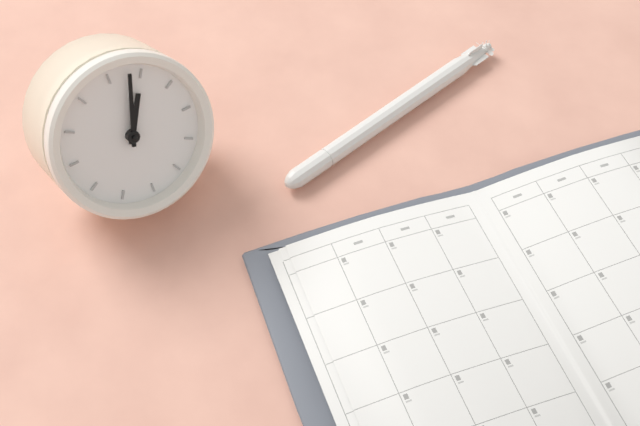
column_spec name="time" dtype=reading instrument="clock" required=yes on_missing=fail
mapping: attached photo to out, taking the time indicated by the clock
11:58
